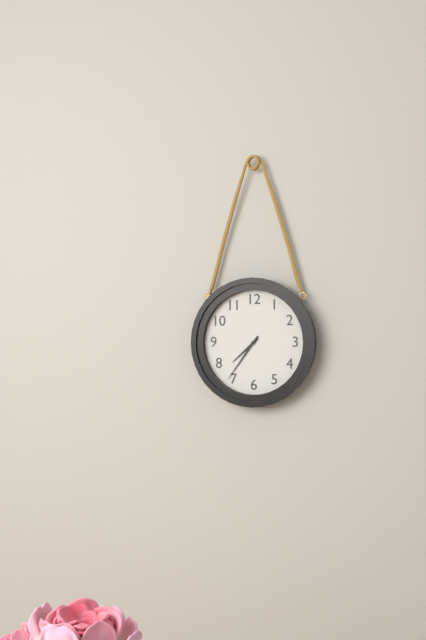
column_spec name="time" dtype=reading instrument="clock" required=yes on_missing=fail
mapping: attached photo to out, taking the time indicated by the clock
7:36
